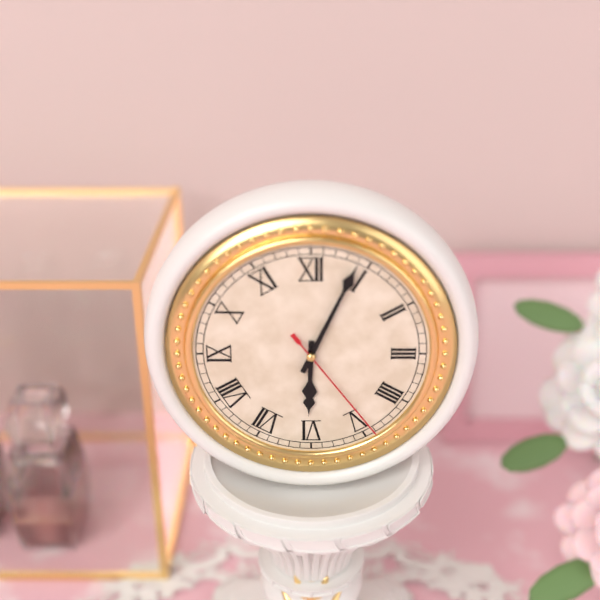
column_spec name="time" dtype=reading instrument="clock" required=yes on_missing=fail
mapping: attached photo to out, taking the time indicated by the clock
6:04:24
